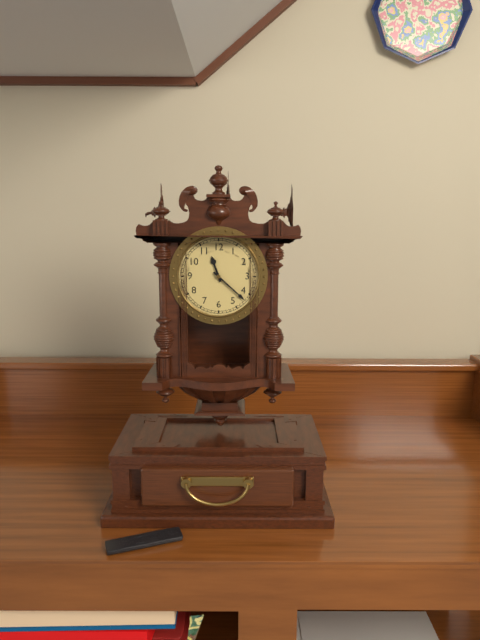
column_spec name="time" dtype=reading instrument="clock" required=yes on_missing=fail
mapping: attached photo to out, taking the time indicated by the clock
11:22
